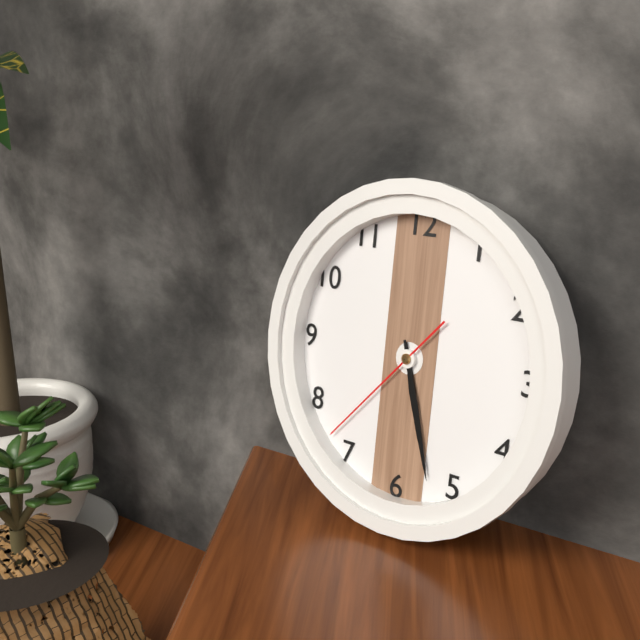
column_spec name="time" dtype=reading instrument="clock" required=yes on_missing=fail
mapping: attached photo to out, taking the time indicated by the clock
5:27:37
